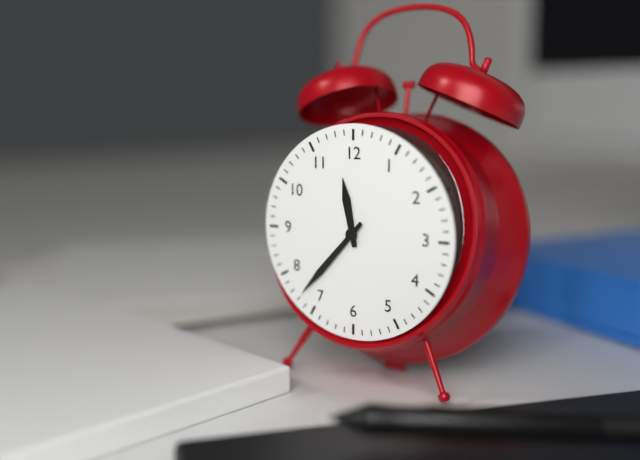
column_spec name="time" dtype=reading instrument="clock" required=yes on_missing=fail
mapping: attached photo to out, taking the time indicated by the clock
11:37
